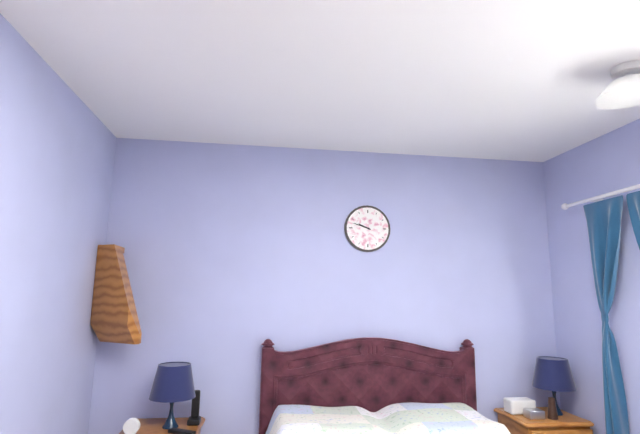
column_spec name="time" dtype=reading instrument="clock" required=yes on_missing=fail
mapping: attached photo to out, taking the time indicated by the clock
9:48
